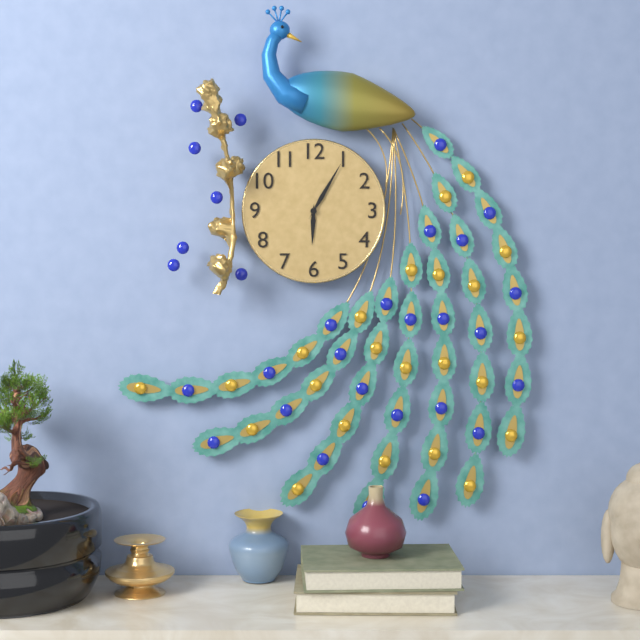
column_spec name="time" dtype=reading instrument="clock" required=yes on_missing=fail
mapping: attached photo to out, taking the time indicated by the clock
6:05
